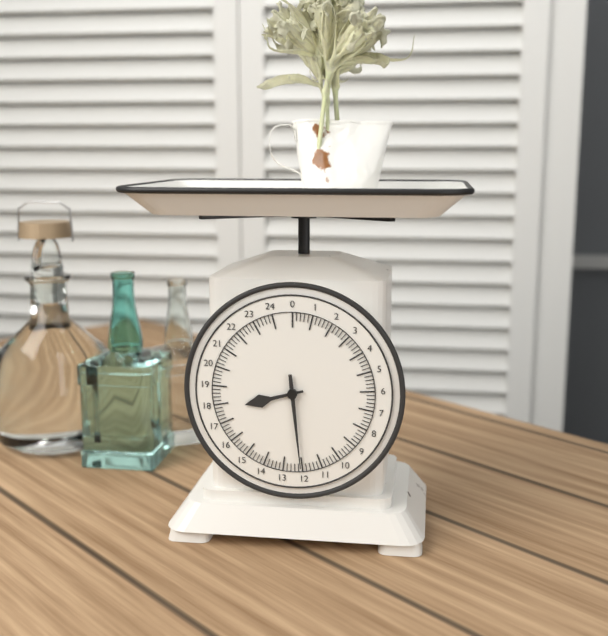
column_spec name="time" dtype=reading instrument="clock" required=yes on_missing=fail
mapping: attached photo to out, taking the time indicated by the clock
8:29
